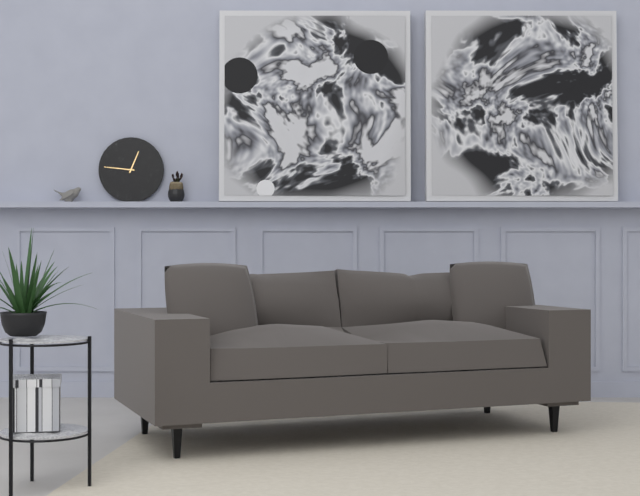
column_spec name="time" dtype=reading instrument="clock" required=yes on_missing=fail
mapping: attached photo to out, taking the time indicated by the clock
12:46
